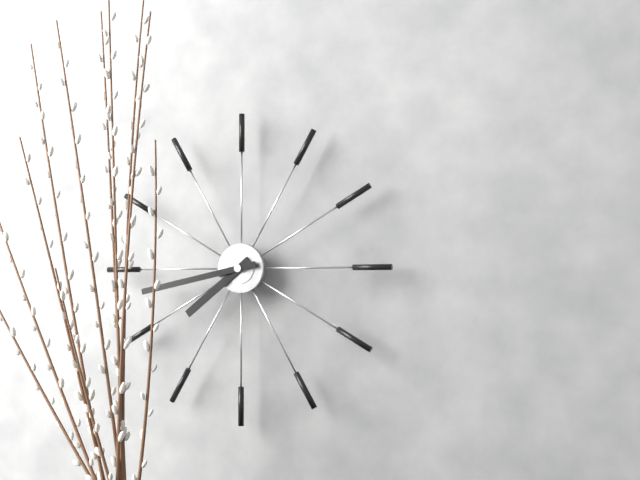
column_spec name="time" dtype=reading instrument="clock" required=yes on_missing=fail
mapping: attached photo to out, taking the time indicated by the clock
7:43
